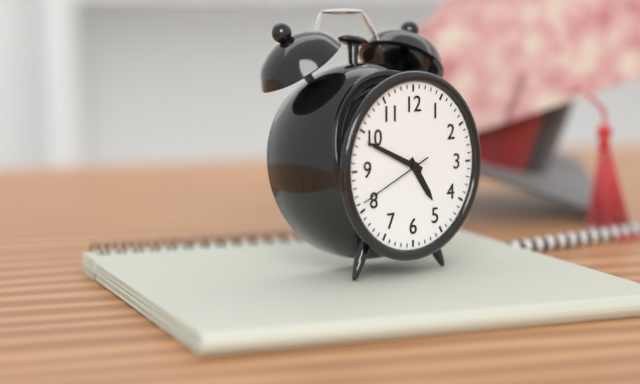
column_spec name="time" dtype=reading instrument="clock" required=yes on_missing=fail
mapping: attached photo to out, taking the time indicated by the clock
4:49:41
